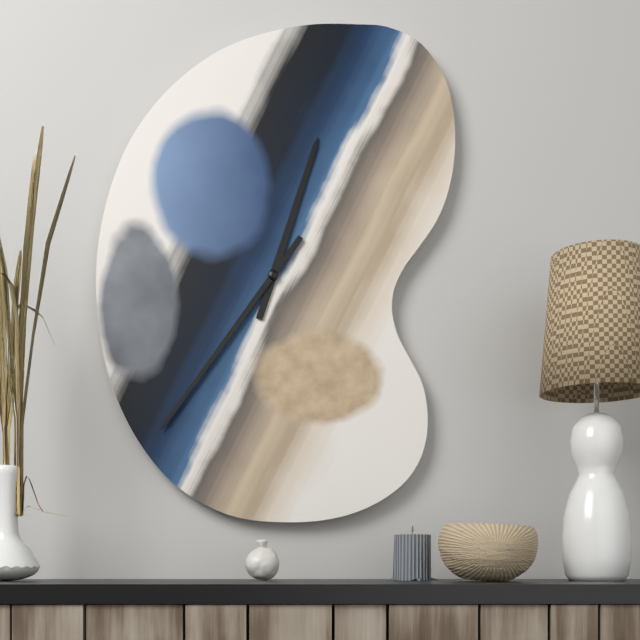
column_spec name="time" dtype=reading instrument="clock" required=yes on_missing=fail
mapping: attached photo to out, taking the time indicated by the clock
12:36
